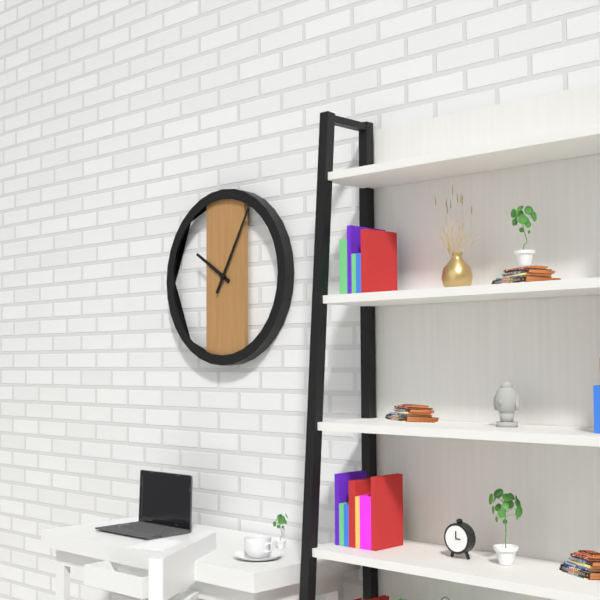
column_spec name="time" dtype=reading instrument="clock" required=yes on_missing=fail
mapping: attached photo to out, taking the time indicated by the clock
10:05
